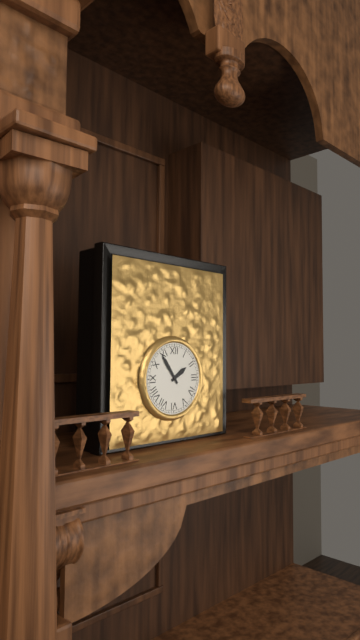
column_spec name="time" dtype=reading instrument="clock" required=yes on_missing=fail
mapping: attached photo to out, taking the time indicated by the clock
1:54
